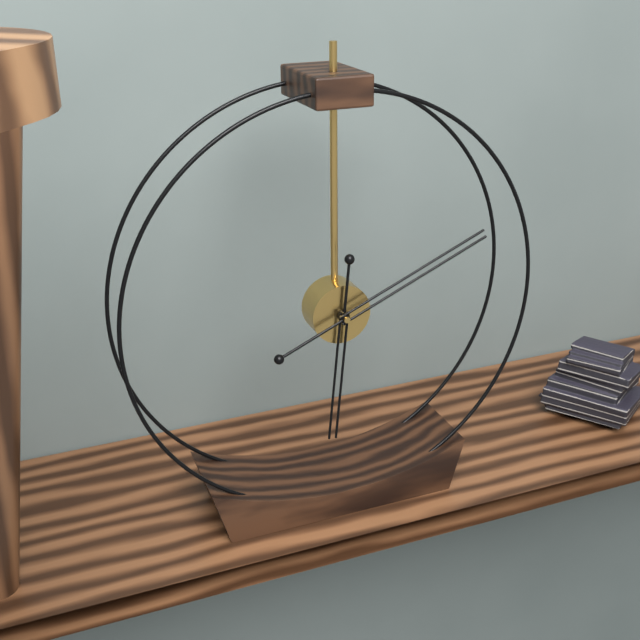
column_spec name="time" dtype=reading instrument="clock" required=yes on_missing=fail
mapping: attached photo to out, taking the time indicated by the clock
6:11
